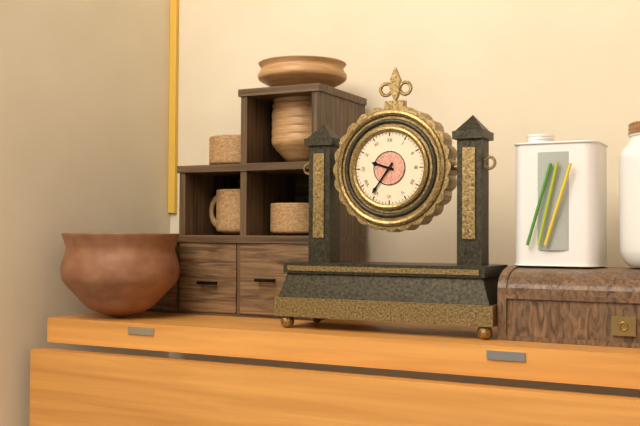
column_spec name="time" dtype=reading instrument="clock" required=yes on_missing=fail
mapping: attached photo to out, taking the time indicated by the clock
9:36
